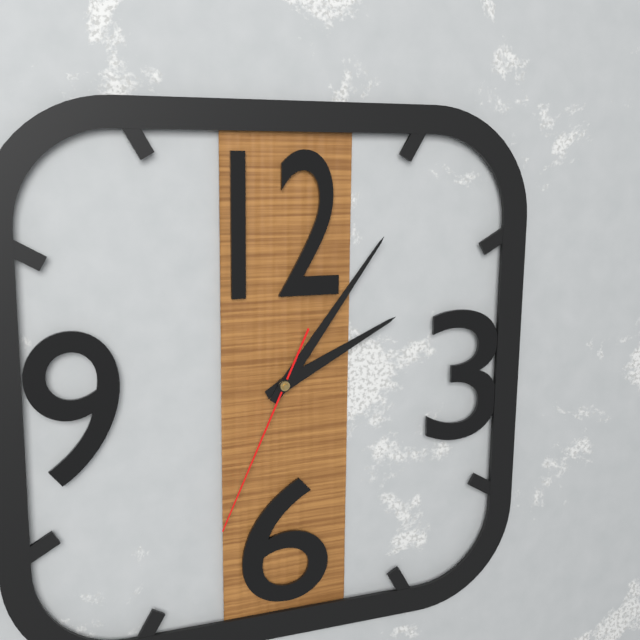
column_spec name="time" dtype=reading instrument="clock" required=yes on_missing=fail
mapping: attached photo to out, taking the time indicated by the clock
2:06:34
